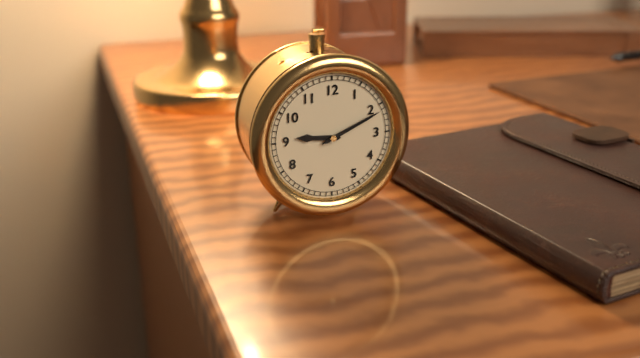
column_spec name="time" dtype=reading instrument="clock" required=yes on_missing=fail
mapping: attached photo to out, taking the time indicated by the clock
9:11
